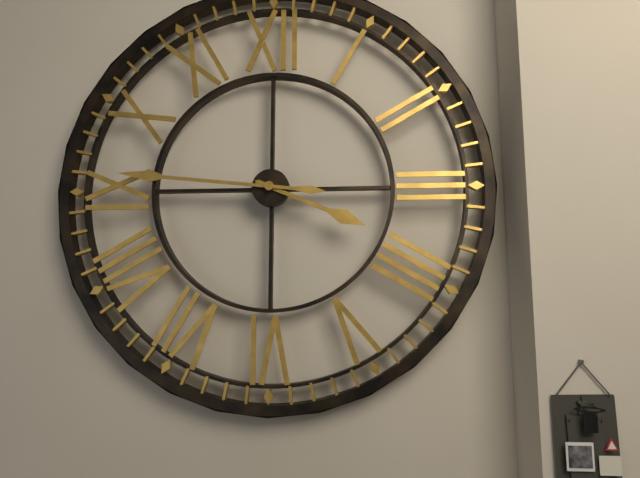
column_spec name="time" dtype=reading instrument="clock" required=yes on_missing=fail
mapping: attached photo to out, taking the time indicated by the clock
3:46
